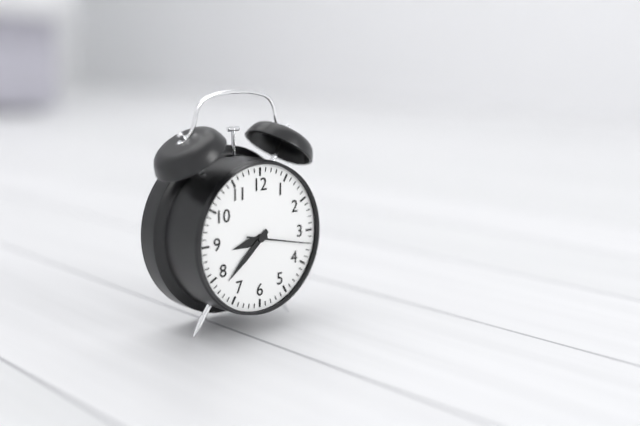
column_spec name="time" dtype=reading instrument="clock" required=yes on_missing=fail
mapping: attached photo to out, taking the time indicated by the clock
8:38:17
